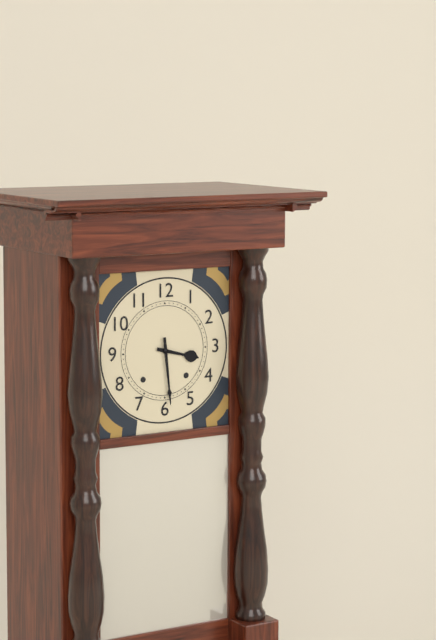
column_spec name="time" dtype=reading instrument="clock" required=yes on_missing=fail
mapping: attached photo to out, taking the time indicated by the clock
3:29
